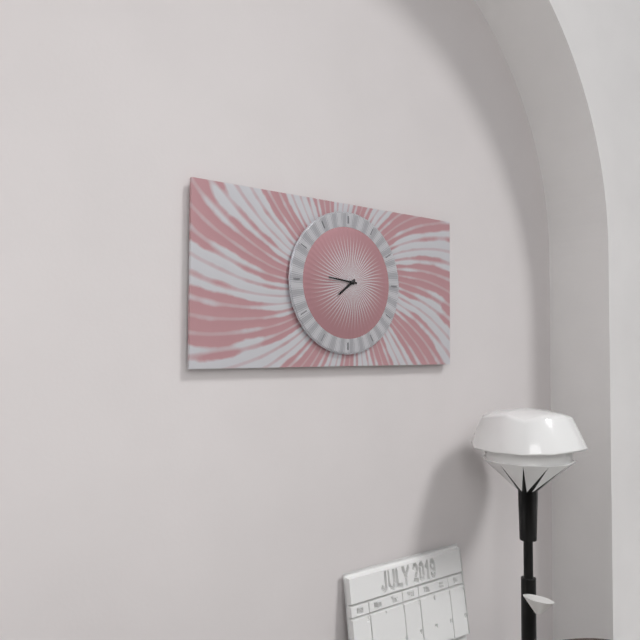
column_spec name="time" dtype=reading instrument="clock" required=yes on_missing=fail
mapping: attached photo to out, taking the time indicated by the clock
7:46
